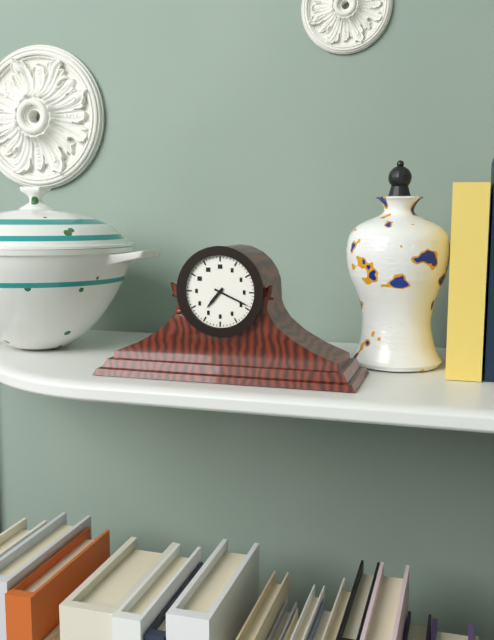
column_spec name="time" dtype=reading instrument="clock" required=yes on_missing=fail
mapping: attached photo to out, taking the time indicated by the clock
7:19
